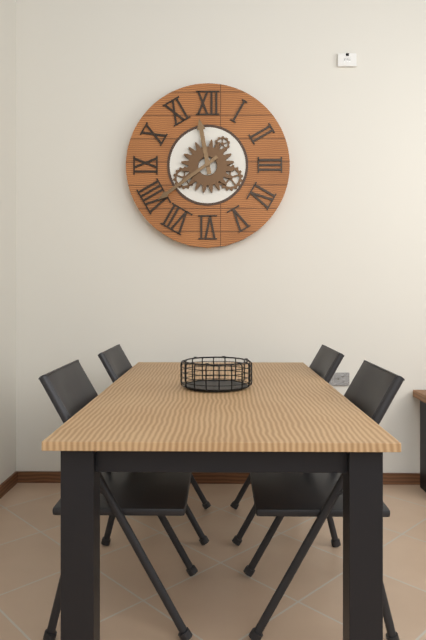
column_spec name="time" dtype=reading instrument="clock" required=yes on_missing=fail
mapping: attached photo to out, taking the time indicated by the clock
11:39
